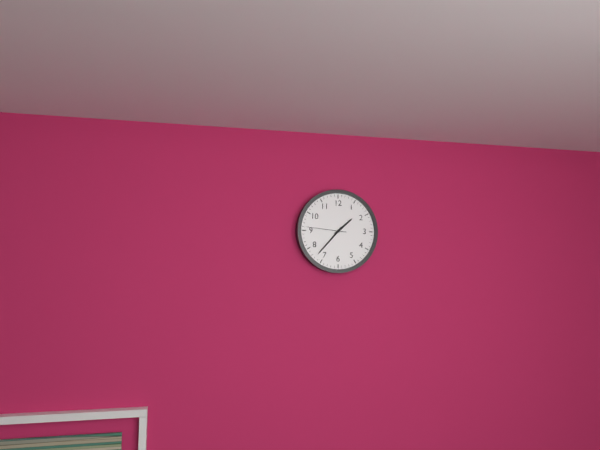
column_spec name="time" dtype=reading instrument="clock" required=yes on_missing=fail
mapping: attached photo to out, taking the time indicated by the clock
1:37
